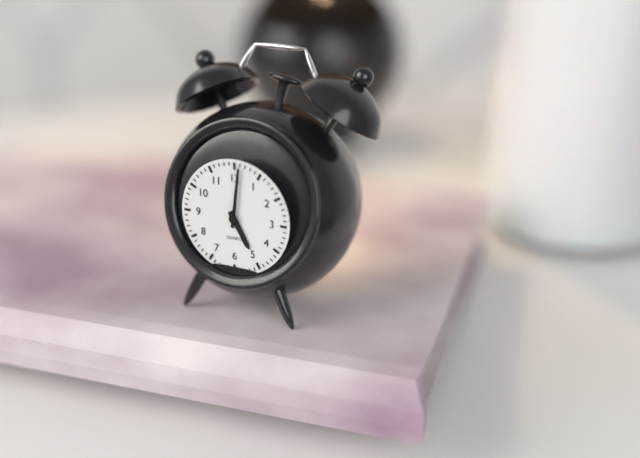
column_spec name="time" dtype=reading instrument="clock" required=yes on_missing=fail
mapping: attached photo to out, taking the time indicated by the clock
5:01
